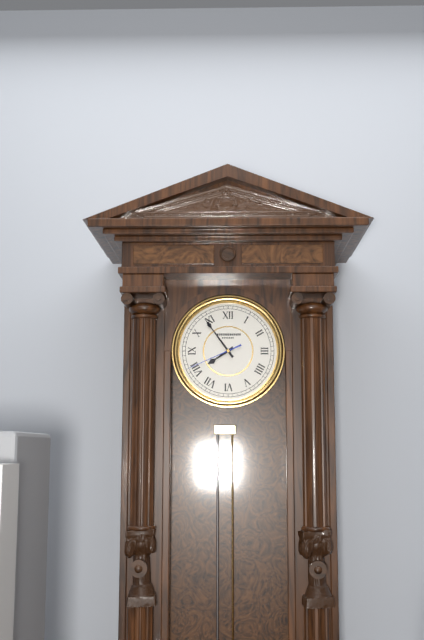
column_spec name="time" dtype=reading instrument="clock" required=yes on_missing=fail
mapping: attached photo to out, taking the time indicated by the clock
7:54:41
